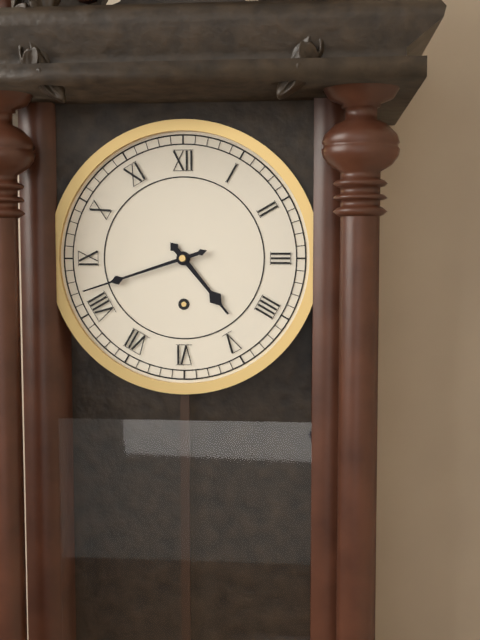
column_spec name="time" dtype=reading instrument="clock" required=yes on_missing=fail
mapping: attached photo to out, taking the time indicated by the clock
4:42
